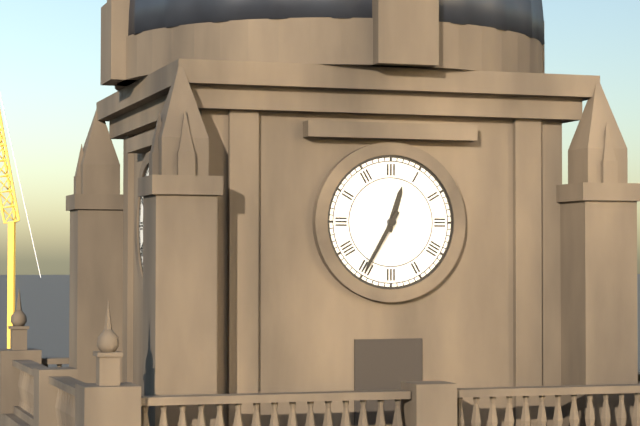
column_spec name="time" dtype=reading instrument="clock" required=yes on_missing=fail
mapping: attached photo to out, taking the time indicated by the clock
12:35
